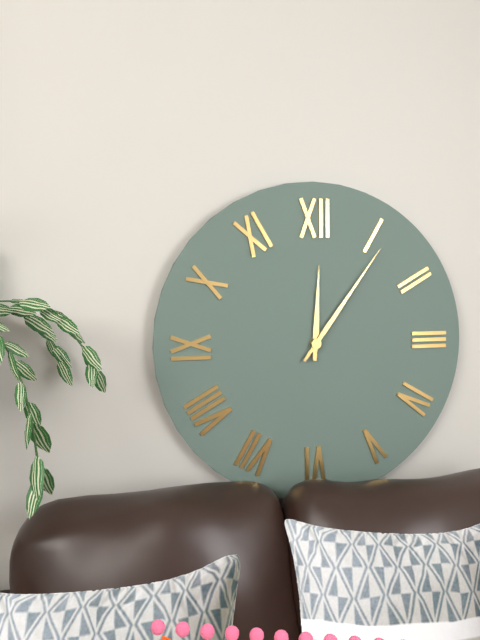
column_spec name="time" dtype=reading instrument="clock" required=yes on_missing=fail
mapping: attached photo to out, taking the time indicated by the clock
12:06
